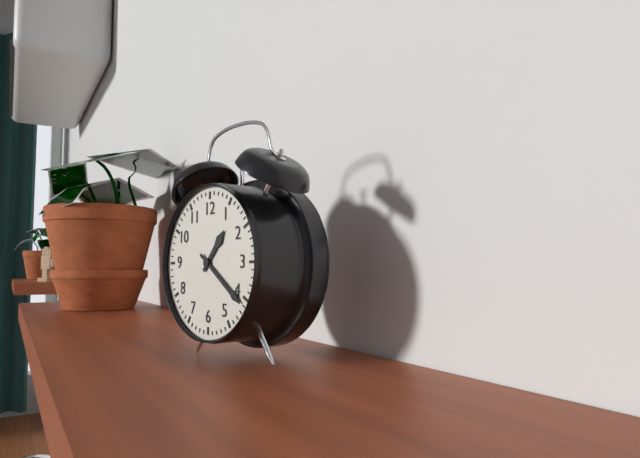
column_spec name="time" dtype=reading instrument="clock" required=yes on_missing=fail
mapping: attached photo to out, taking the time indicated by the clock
1:21
